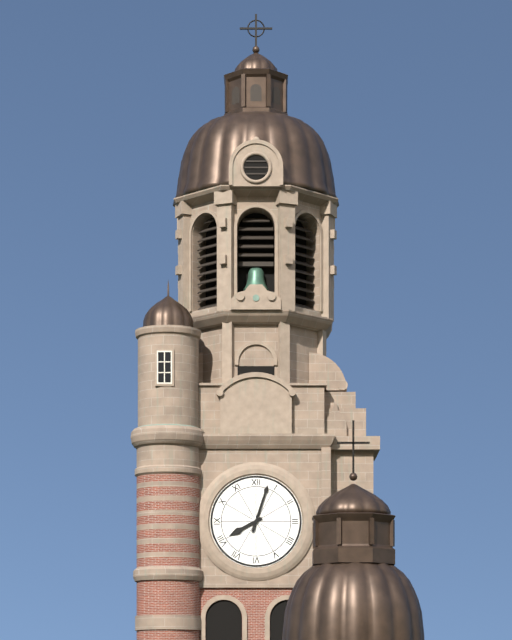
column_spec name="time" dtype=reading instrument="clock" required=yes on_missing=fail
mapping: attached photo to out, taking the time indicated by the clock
8:03
